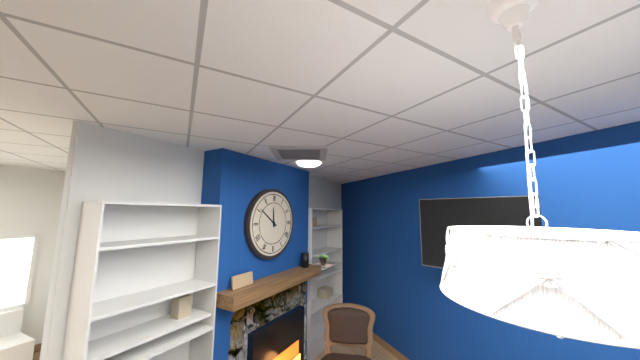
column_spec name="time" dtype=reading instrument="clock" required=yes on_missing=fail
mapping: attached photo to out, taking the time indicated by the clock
11:51
